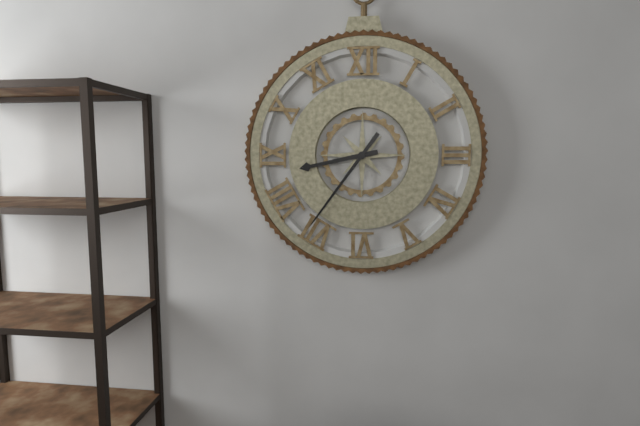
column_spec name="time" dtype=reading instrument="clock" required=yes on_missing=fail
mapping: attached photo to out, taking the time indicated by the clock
8:36
